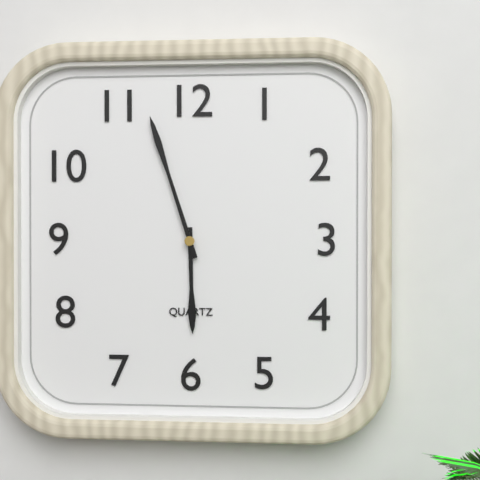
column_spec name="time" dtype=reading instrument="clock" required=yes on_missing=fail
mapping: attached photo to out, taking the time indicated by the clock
5:57
